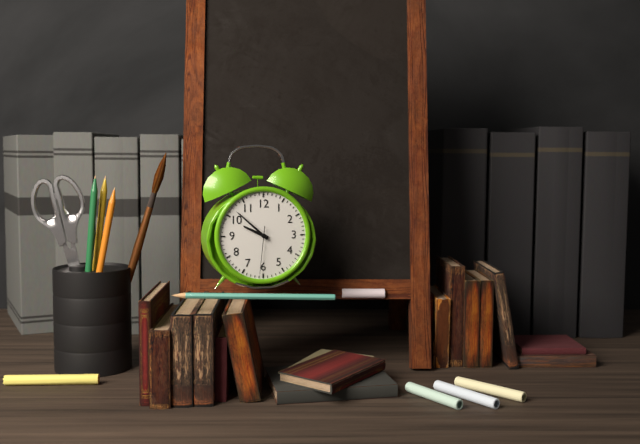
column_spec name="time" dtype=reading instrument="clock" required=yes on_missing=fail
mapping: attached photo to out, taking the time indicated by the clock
9:52:31
